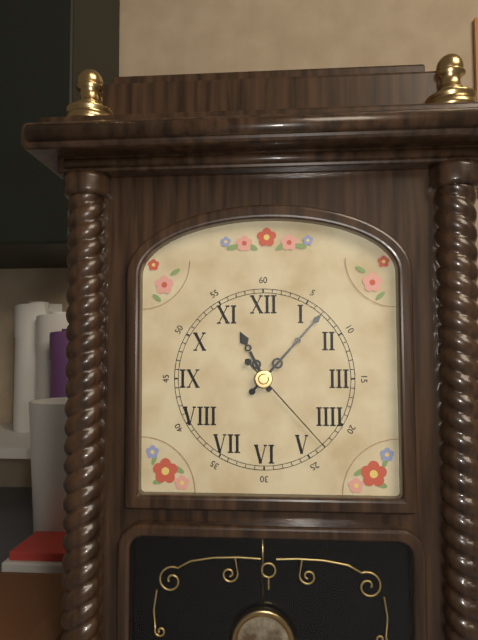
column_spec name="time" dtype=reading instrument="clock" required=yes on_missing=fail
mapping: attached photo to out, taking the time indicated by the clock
11:07:23
